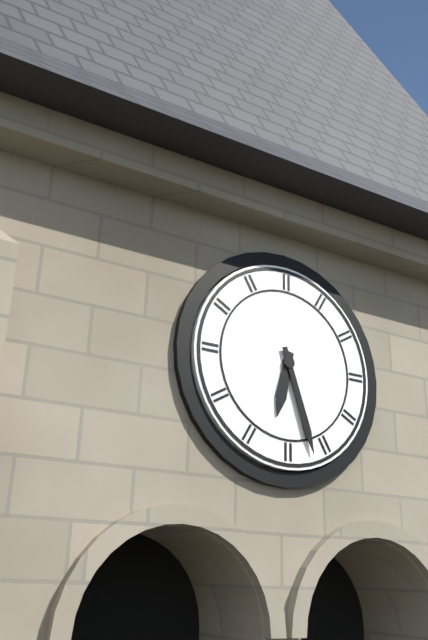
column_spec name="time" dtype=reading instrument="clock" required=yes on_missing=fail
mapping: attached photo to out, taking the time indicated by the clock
6:27
